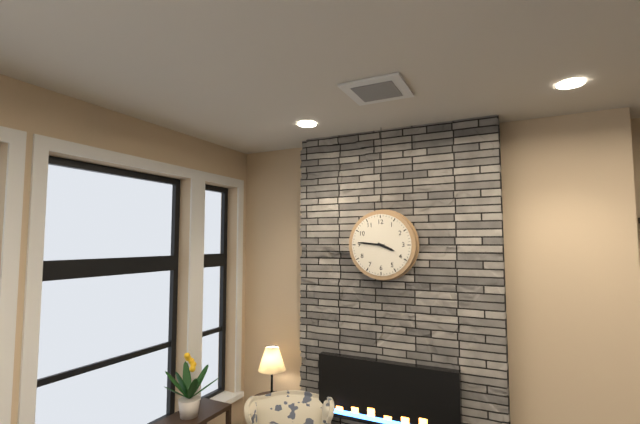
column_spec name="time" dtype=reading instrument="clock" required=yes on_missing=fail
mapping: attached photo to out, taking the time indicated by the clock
3:46
